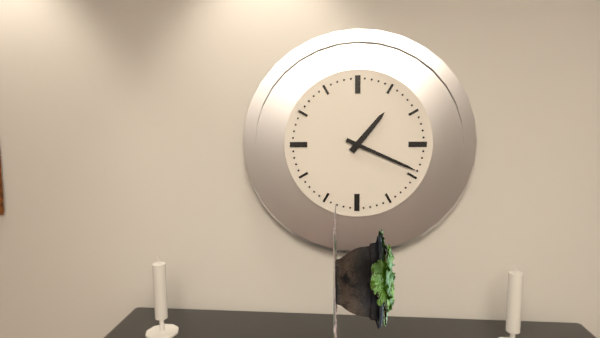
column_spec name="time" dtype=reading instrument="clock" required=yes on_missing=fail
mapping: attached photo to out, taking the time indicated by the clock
1:19
